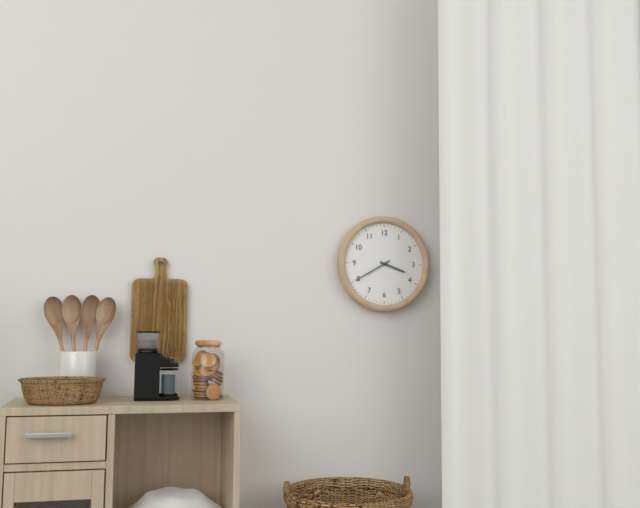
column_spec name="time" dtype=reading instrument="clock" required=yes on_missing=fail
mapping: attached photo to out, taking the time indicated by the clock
3:40
